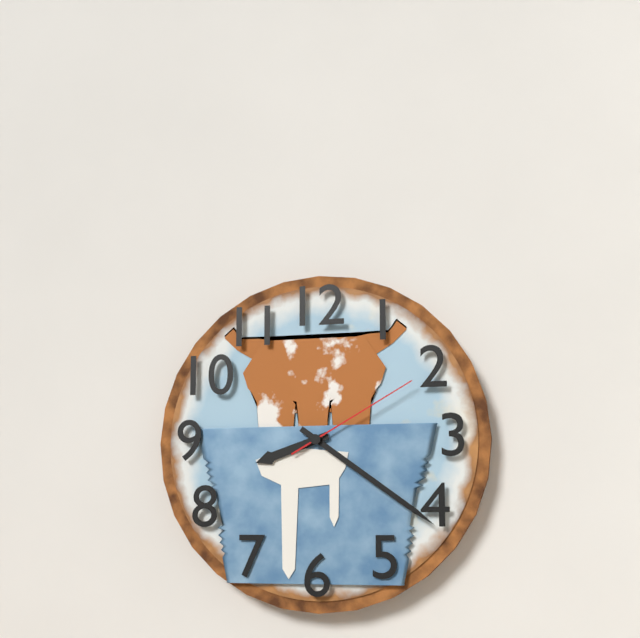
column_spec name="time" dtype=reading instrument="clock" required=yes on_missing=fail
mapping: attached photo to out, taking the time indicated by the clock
8:21:10
